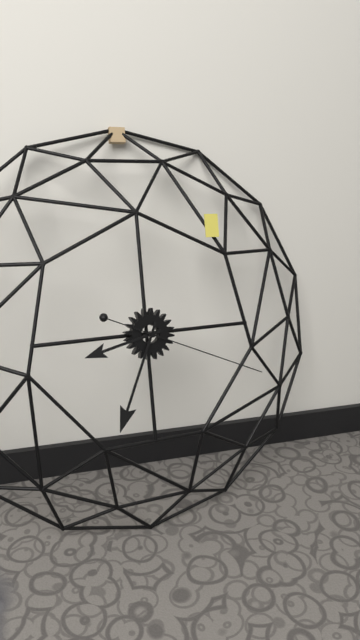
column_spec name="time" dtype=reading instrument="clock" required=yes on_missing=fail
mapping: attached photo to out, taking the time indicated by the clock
8:34:19
